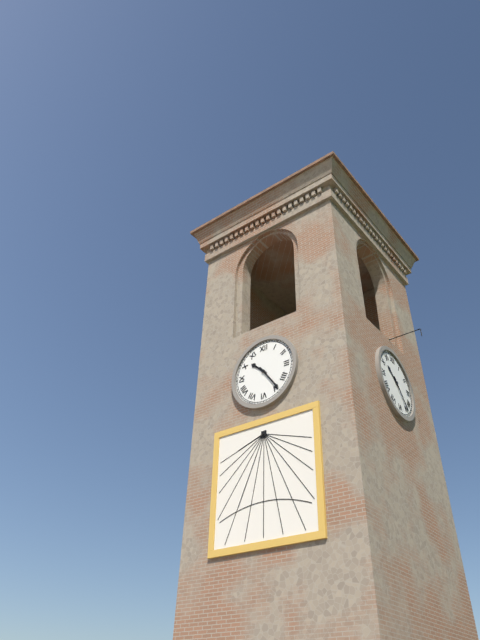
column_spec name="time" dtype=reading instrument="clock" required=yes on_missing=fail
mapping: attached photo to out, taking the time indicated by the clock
10:24
